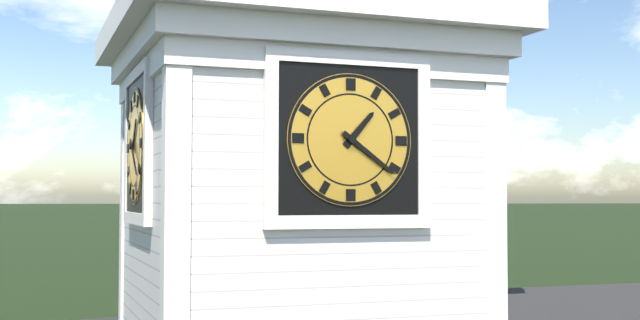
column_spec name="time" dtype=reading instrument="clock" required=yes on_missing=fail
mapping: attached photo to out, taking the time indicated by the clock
1:21
